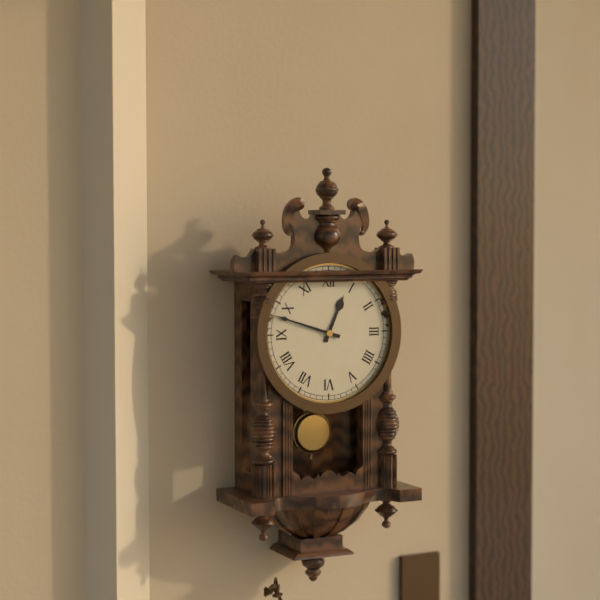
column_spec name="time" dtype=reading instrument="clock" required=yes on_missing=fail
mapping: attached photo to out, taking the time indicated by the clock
12:48
